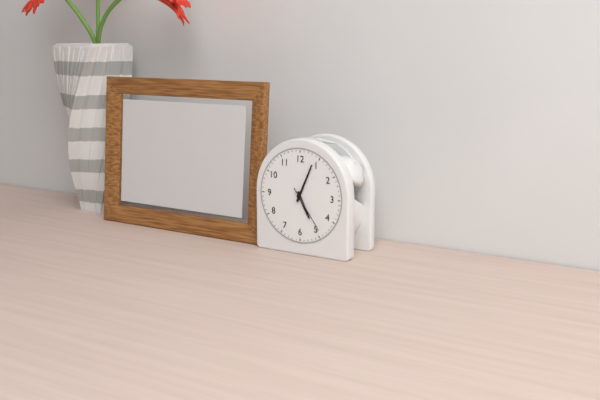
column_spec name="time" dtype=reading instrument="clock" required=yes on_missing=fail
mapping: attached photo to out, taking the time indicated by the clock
5:04
